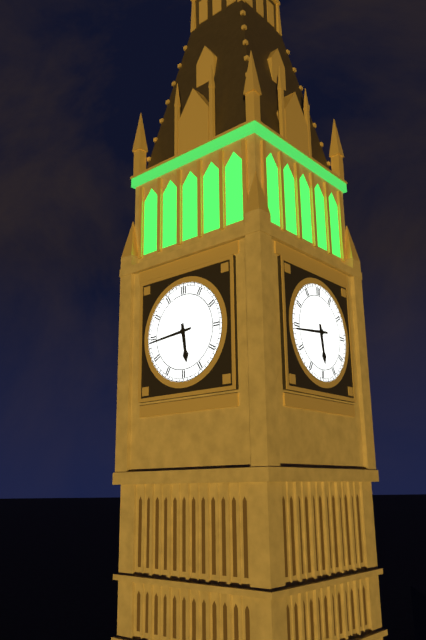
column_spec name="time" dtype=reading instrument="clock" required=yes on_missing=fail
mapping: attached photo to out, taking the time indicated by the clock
5:44
